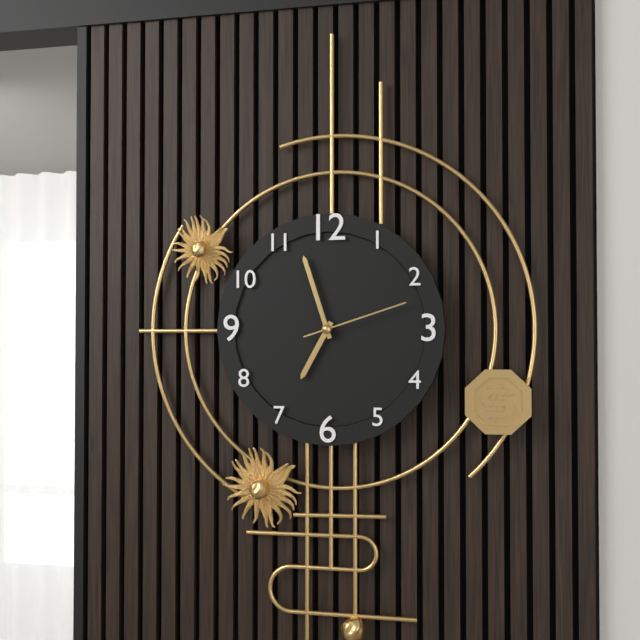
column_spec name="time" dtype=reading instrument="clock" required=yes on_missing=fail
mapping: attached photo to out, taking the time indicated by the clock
6:57:12
